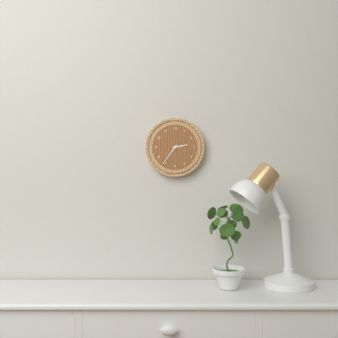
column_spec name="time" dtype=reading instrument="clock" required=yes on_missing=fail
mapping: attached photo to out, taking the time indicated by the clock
2:36
